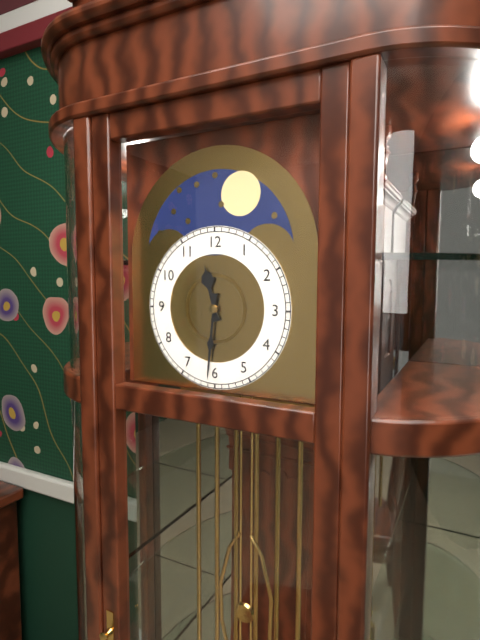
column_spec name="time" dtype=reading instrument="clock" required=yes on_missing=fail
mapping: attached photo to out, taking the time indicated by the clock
11:31
